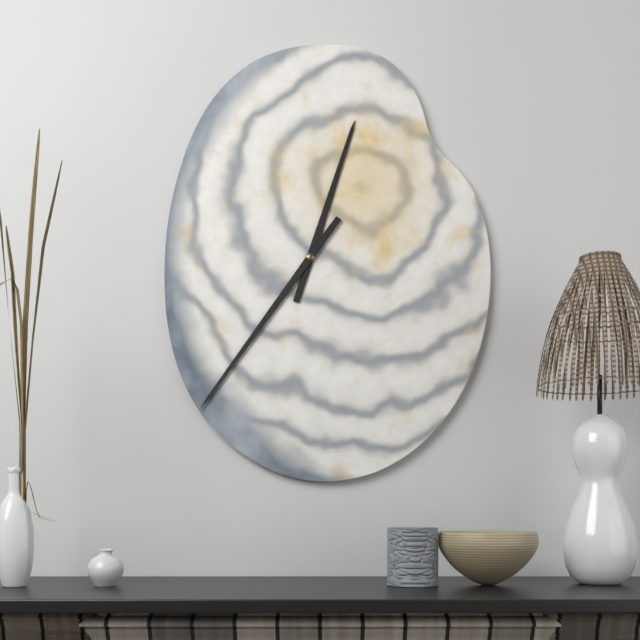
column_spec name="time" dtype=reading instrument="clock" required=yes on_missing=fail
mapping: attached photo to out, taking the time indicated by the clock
12:36
